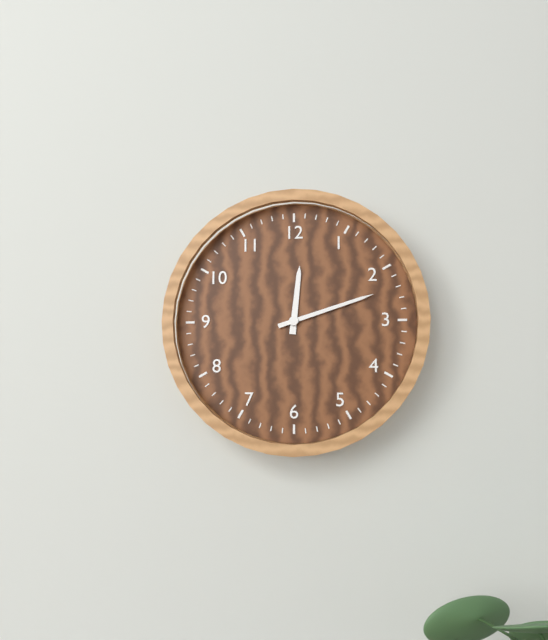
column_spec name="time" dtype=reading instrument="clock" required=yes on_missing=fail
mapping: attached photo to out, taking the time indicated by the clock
12:12
